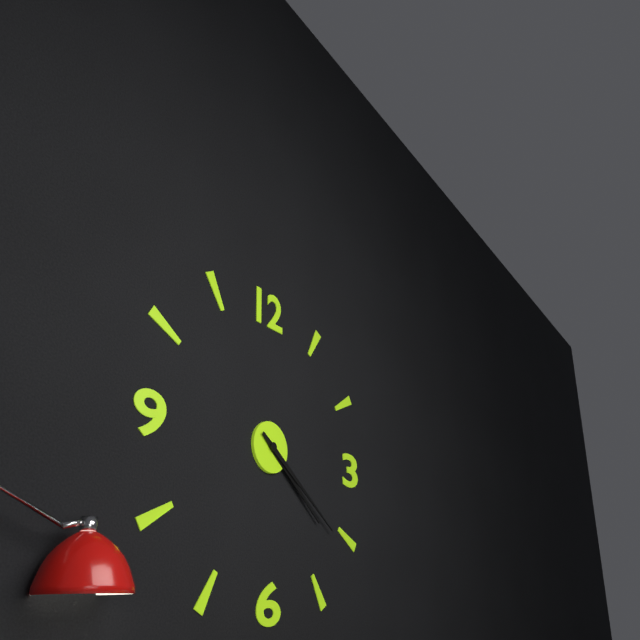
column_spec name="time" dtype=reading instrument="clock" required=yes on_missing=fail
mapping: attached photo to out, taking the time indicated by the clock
4:21
